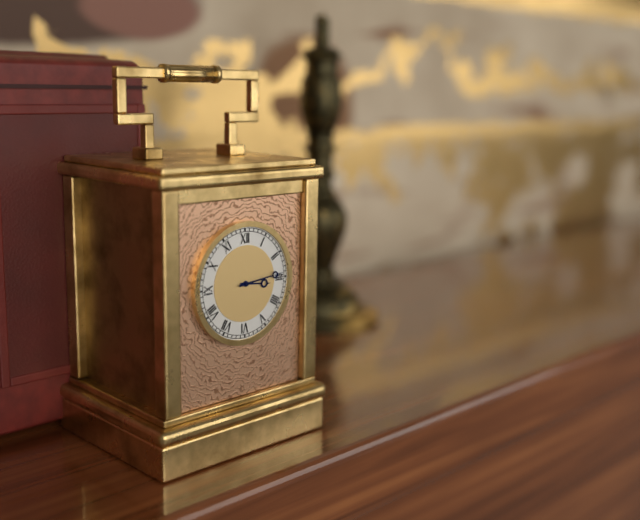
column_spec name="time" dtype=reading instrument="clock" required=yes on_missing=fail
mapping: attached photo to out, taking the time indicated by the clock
3:14
